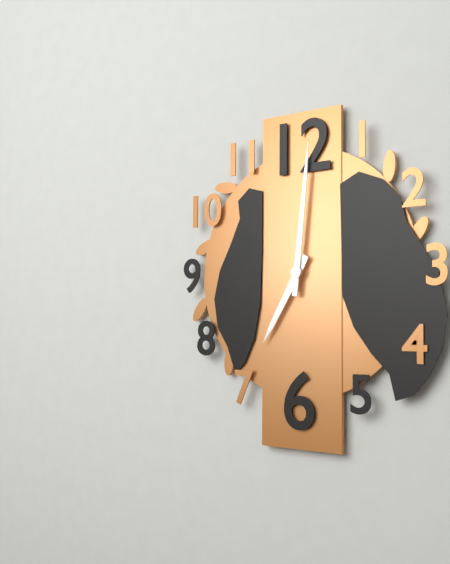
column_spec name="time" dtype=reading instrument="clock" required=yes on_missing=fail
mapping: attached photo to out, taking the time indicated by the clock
7:01
